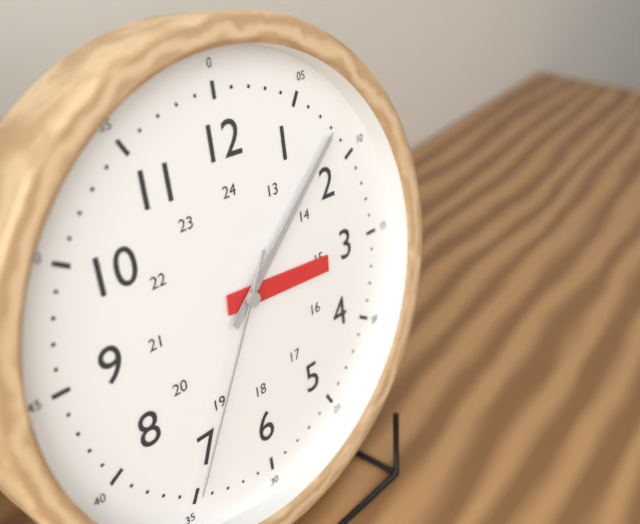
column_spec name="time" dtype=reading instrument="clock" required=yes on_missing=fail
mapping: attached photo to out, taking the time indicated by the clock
3:08:35
